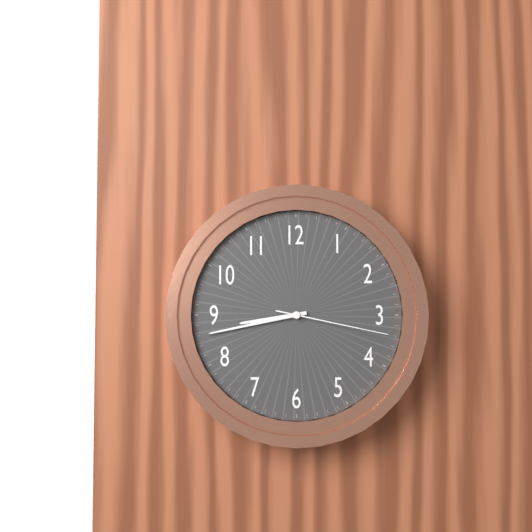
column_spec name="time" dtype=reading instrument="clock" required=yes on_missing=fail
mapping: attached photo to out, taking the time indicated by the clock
8:43:17
